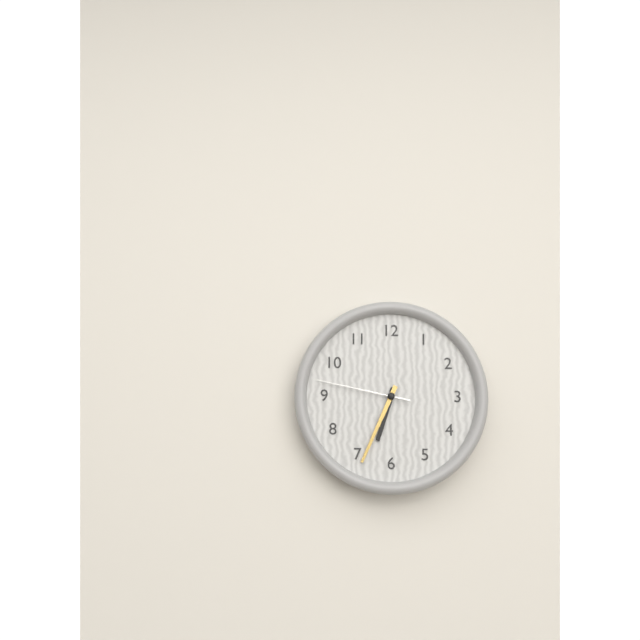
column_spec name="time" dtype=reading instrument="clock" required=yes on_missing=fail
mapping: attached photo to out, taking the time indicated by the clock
6:34:47
